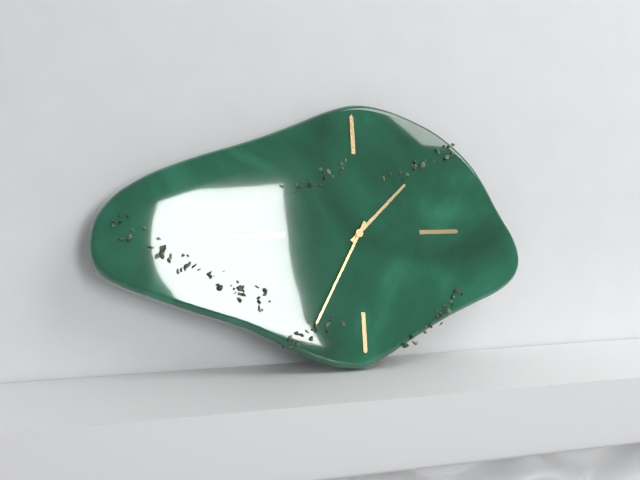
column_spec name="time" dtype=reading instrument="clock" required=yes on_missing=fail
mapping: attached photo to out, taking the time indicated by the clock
1:35
